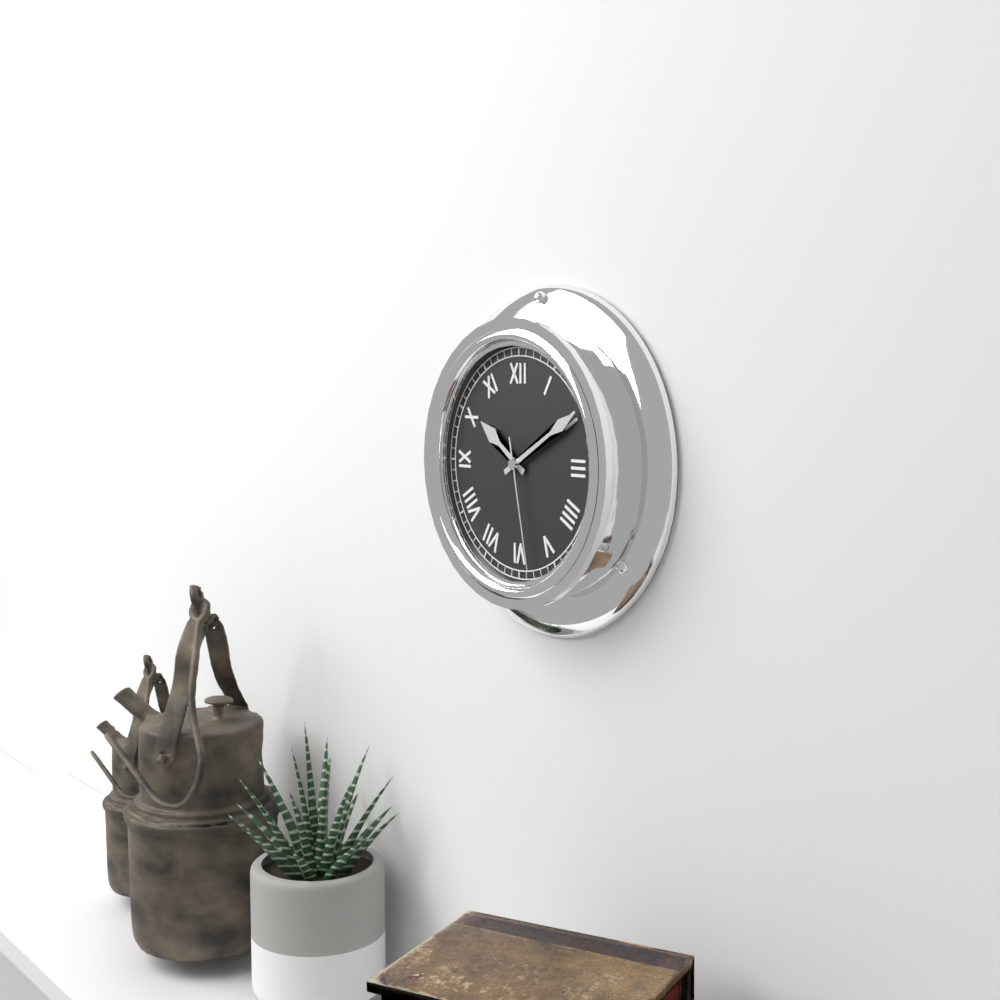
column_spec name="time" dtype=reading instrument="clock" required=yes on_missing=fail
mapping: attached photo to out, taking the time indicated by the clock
10:10:28
